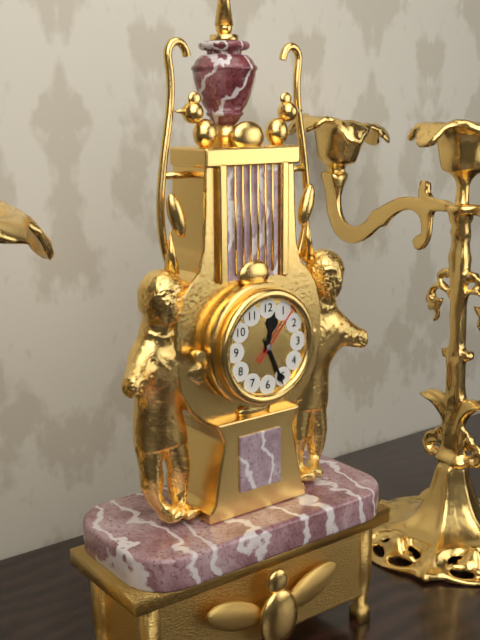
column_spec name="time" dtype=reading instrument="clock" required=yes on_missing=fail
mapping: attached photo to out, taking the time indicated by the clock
12:26:07
